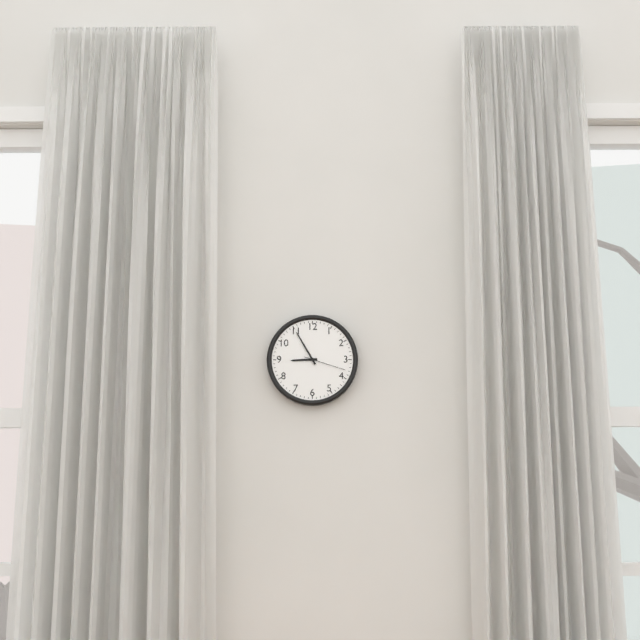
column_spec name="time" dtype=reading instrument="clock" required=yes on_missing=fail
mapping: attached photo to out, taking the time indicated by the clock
8:55
